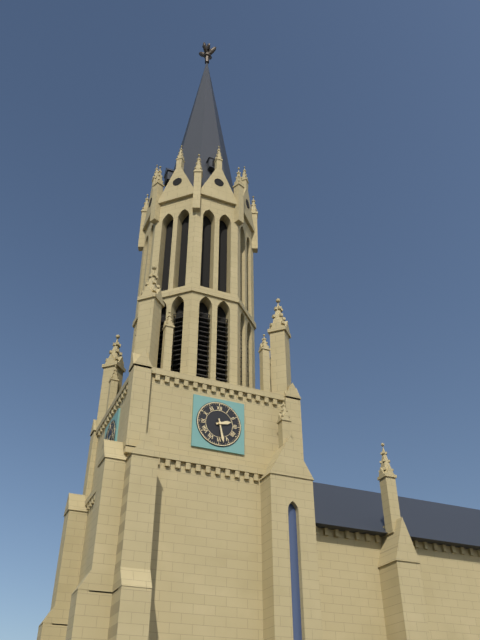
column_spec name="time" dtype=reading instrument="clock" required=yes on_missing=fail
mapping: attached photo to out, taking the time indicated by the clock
2:28
